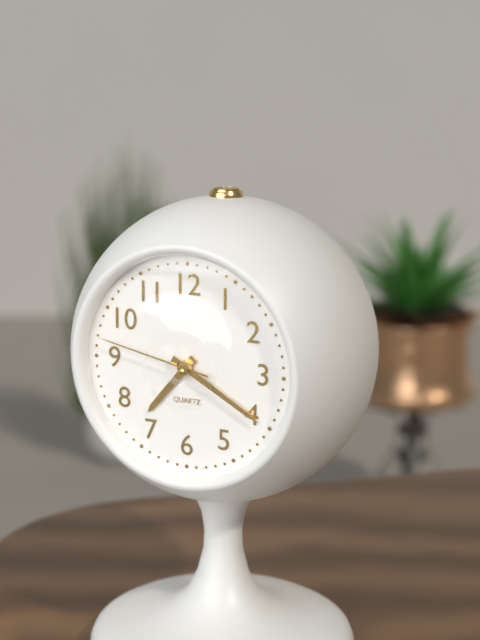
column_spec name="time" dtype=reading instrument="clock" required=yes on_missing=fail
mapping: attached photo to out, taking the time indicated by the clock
7:20:47
